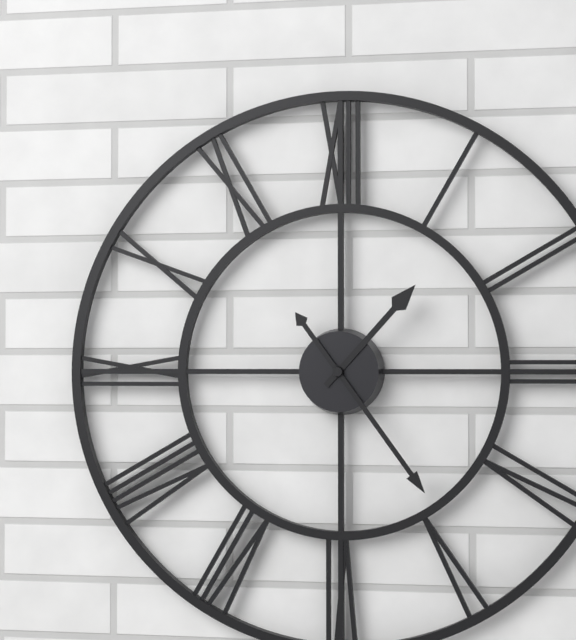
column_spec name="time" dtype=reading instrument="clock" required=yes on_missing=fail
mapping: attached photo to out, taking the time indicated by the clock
1:24
